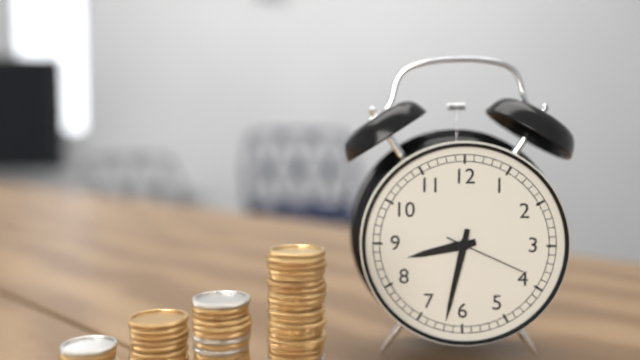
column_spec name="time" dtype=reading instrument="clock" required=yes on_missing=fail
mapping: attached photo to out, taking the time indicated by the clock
8:32:19
